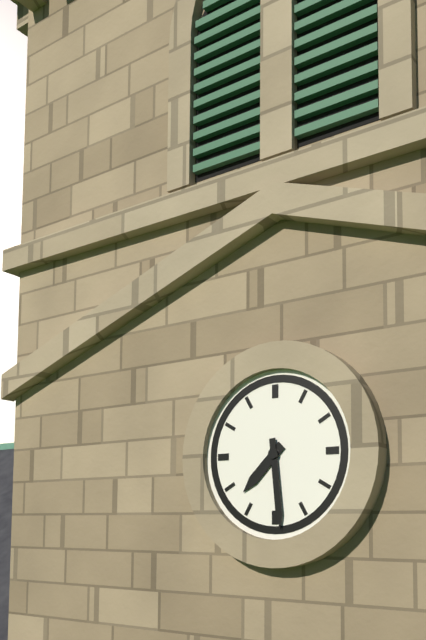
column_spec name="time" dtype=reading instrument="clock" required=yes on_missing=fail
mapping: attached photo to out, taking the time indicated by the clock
7:29
